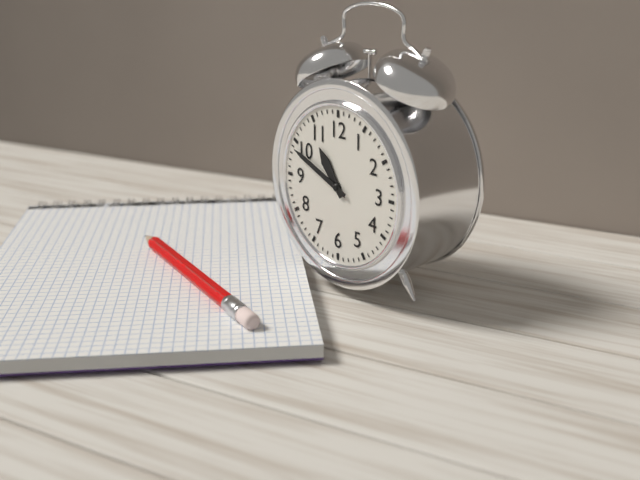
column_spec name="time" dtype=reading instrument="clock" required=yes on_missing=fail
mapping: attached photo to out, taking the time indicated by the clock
10:49
